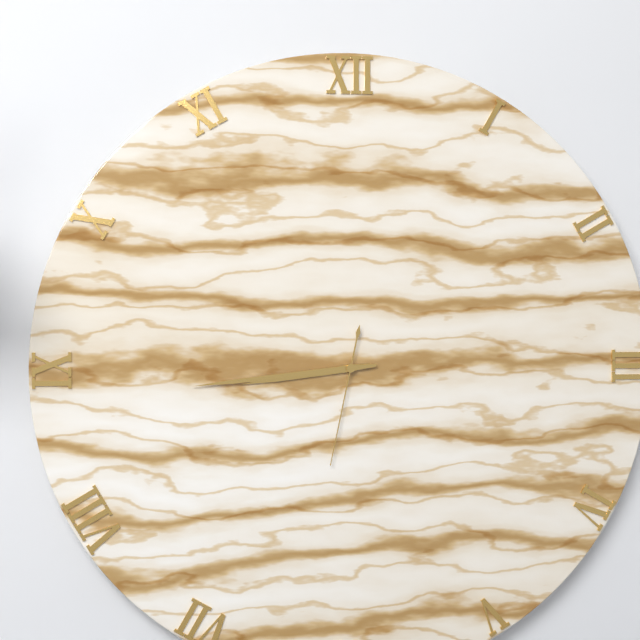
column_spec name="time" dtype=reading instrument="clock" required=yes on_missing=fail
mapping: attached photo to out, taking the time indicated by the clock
8:44:32
